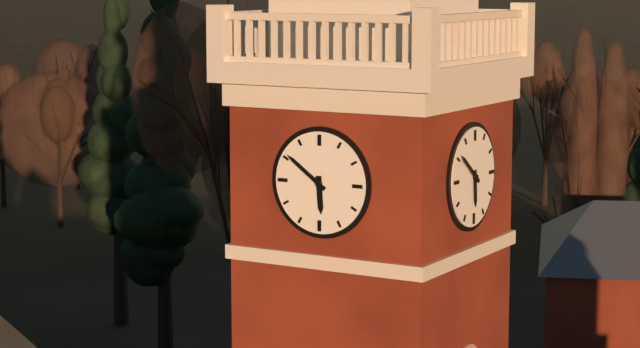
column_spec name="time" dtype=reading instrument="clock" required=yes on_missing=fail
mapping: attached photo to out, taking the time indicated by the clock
5:51
